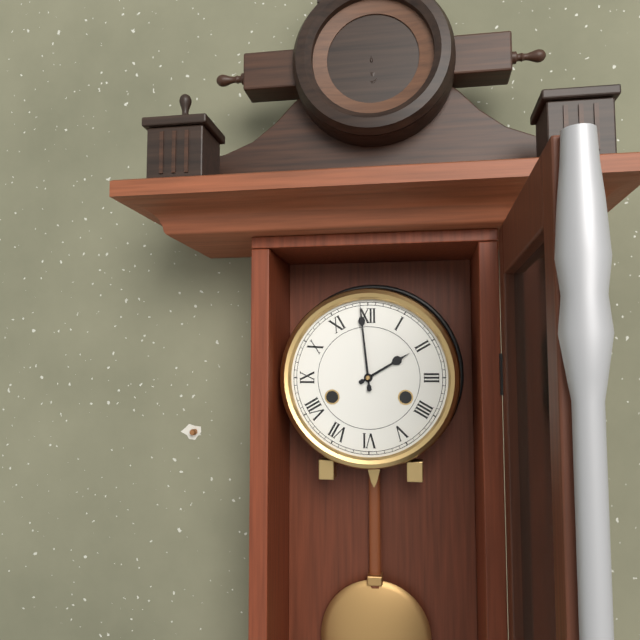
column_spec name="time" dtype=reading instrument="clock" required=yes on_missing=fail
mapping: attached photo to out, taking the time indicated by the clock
1:59
